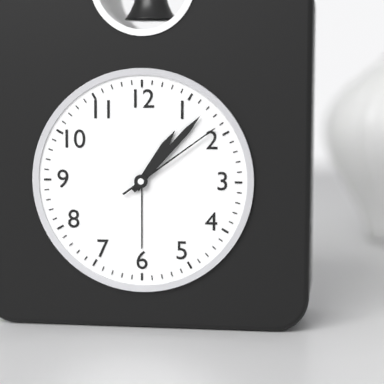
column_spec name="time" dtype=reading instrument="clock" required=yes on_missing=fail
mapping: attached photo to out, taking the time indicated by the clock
1:07:09
